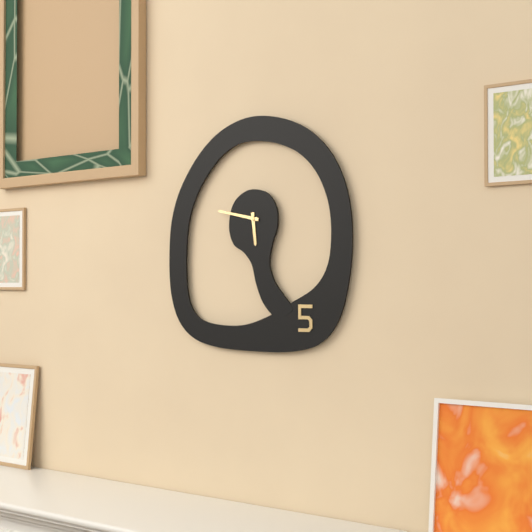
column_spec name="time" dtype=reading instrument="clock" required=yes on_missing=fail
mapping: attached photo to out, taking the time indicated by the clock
5:47
